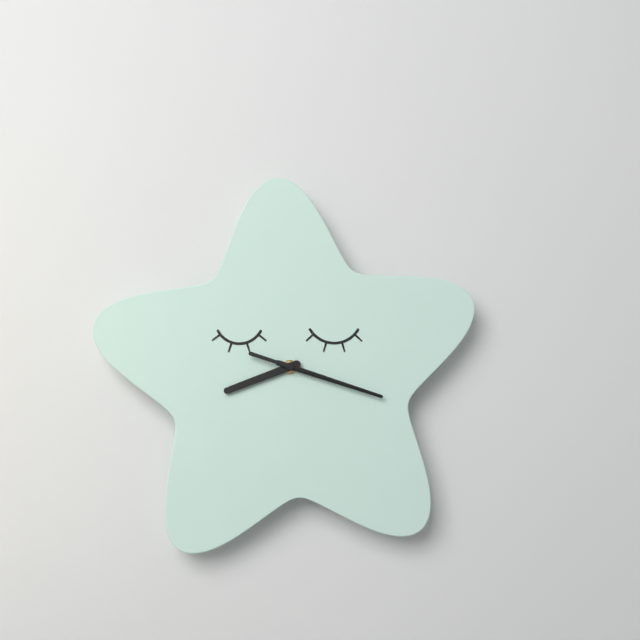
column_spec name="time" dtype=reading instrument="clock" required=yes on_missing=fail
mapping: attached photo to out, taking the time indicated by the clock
8:18:18
